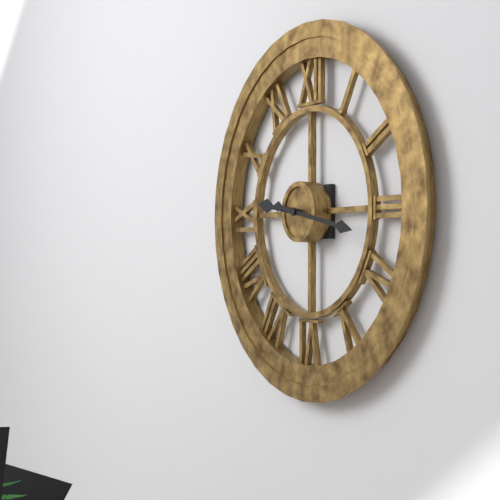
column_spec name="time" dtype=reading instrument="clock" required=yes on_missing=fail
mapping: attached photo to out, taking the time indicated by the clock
9:17
